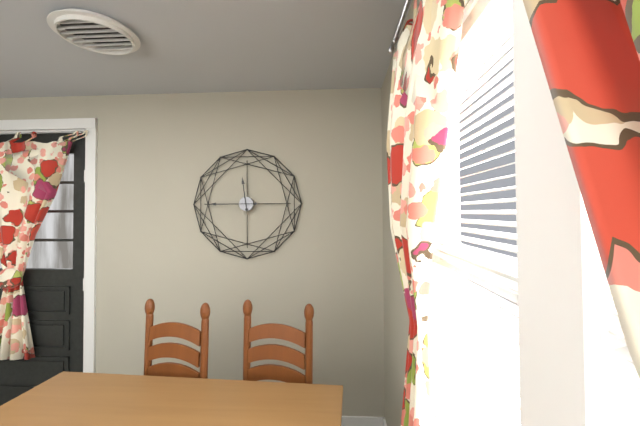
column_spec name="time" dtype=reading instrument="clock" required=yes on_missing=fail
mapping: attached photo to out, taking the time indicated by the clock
11:45
